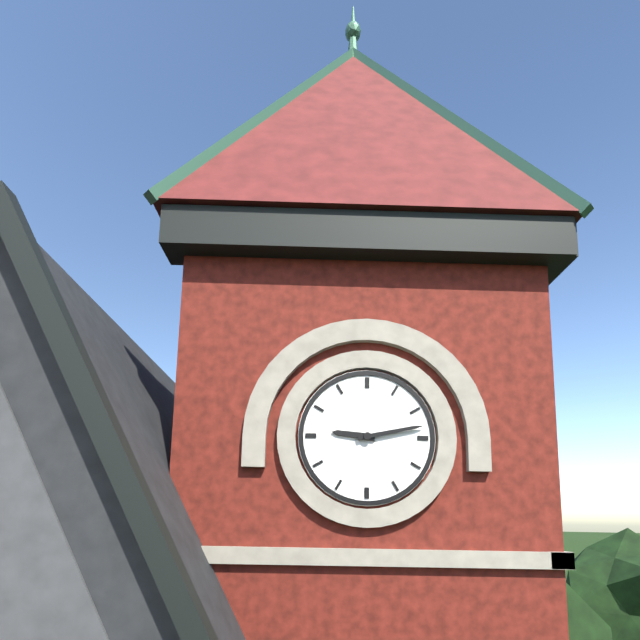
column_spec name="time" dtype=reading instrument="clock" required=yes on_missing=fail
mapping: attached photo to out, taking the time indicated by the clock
9:13
